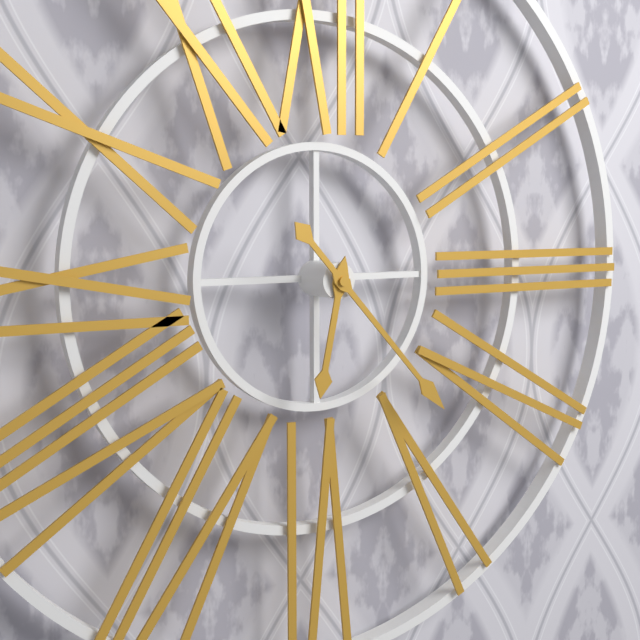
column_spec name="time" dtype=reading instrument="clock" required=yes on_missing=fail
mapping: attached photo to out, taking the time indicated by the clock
6:23
